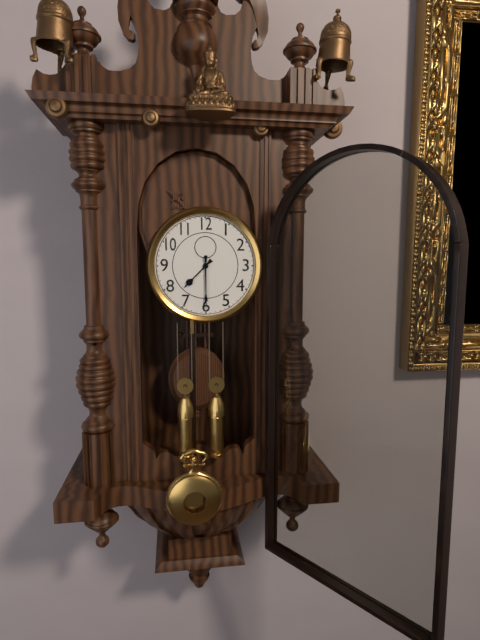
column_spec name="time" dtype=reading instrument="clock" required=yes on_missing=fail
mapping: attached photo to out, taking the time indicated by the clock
7:30
